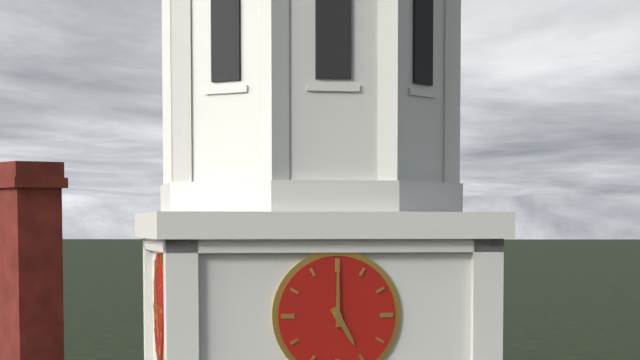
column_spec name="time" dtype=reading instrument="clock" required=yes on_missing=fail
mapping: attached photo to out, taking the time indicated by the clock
5:00
